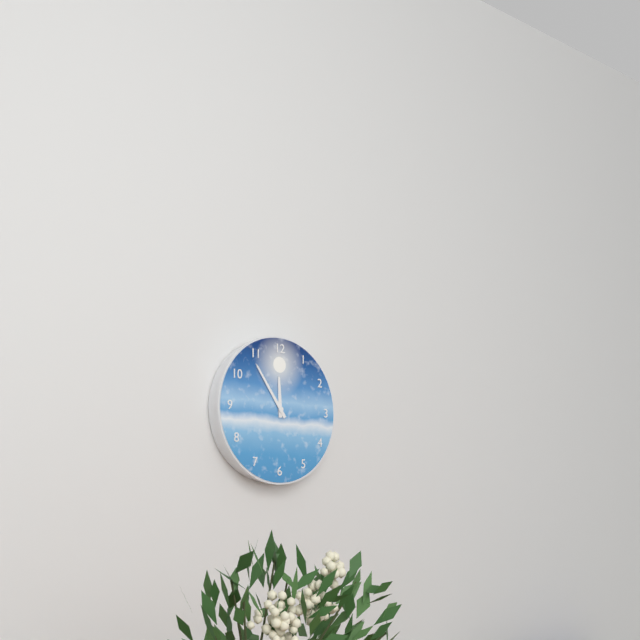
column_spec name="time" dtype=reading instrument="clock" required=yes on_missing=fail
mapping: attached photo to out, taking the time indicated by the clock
11:54
